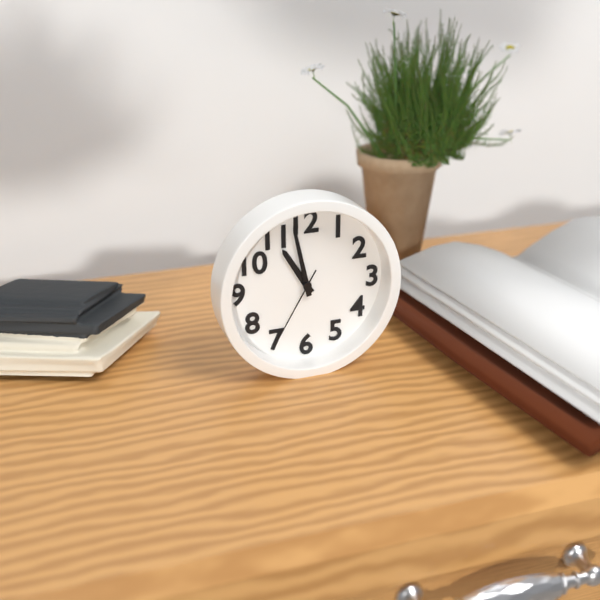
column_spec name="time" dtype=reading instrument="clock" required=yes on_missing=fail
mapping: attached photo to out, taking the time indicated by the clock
10:58:35
